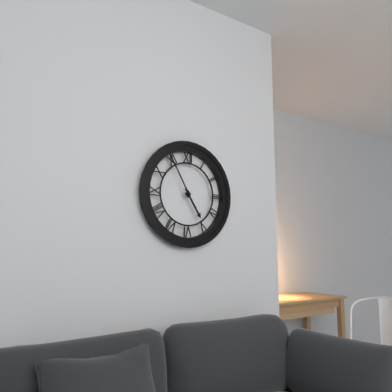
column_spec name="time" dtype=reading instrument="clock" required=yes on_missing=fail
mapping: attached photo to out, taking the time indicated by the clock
4:55
